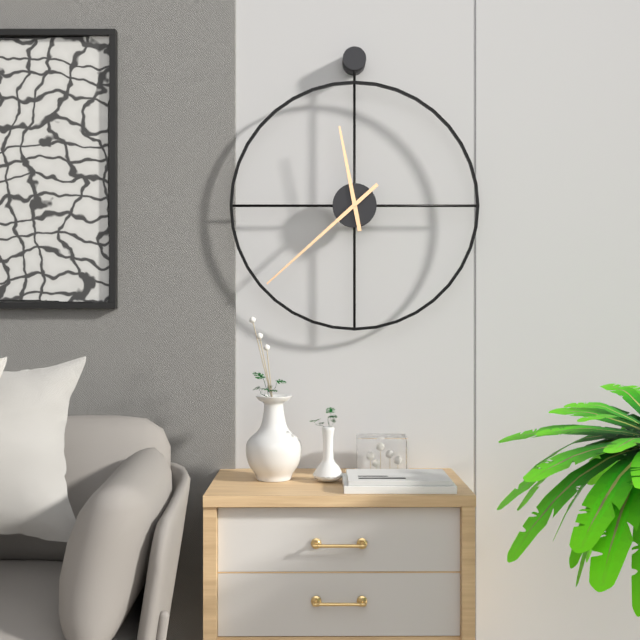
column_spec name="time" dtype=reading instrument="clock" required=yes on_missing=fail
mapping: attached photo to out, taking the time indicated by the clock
11:38
